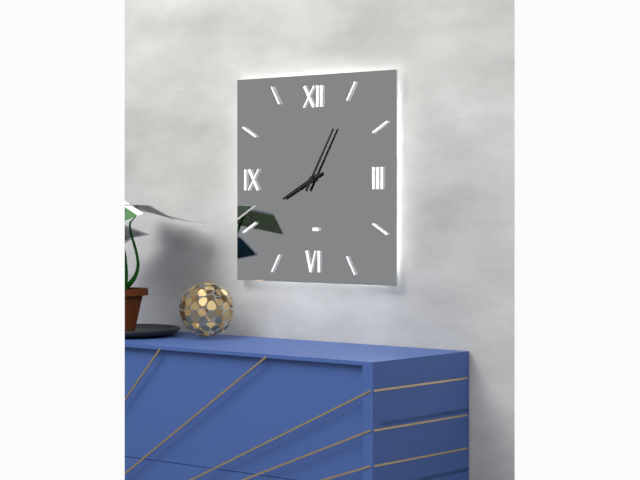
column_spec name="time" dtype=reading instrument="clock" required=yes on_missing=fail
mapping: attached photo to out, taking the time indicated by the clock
8:05
